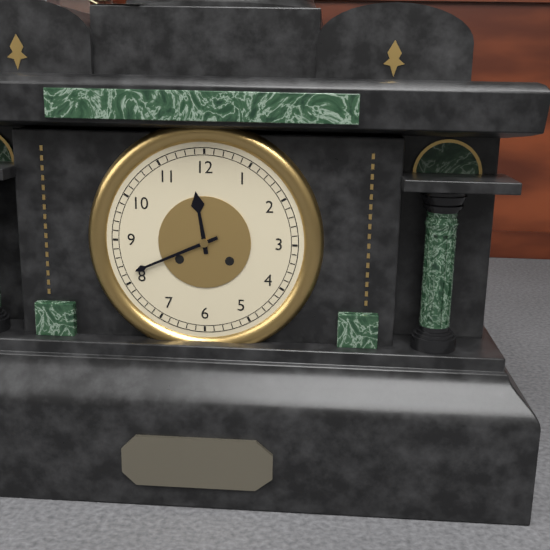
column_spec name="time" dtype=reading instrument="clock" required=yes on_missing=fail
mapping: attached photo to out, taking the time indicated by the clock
11:41
